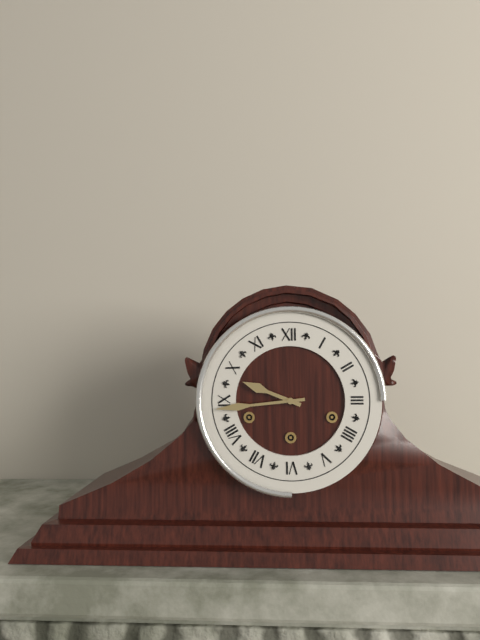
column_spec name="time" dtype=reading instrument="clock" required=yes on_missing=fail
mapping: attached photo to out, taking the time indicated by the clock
9:44
